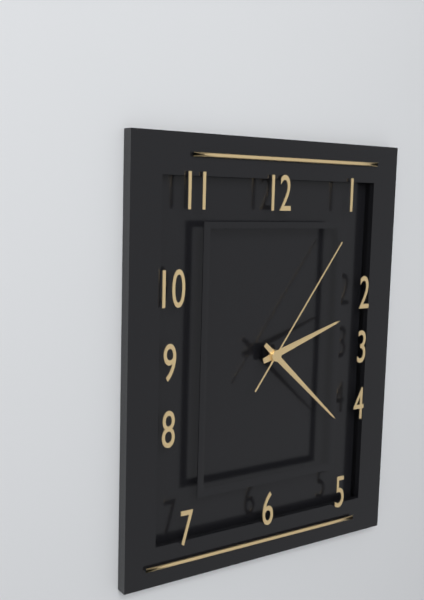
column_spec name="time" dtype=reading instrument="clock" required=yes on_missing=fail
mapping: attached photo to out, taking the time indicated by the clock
2:22:06
